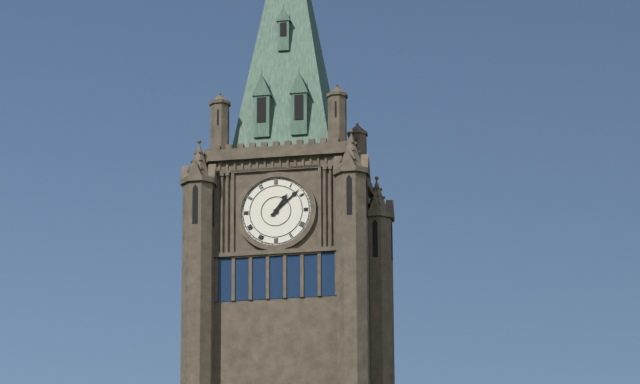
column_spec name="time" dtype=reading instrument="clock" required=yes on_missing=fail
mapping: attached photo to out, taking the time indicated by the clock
1:08
